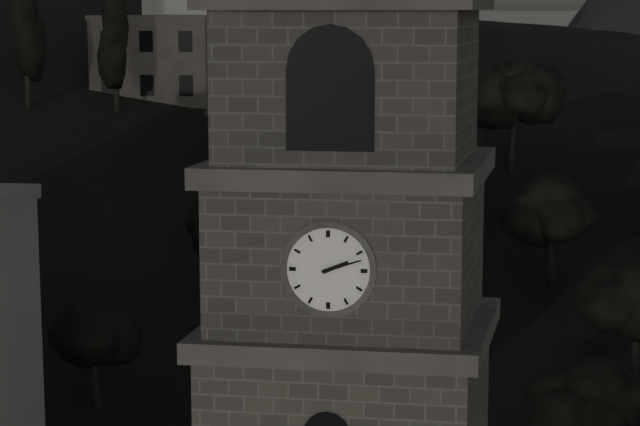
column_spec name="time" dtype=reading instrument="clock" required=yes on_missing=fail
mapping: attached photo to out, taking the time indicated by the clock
2:12
